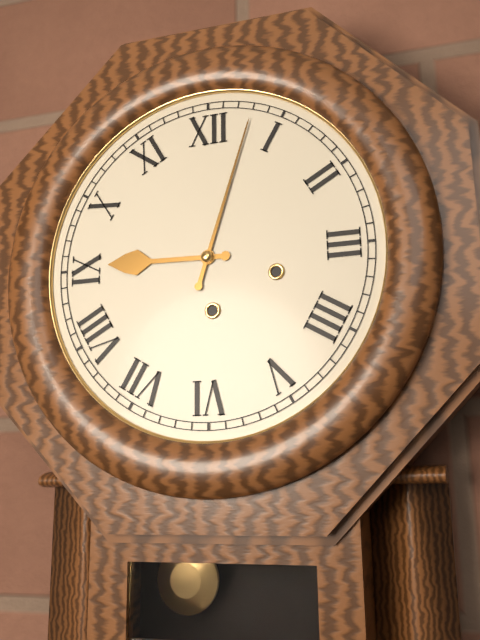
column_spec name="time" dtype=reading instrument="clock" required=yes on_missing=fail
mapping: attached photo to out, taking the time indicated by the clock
9:03
